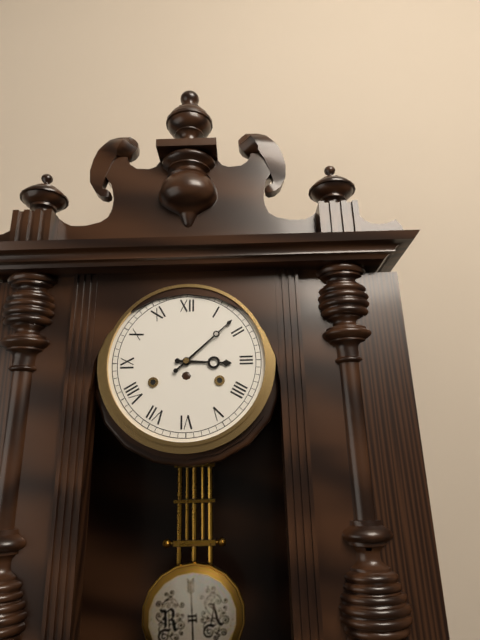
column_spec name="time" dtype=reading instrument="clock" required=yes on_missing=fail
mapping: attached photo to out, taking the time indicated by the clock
3:08
